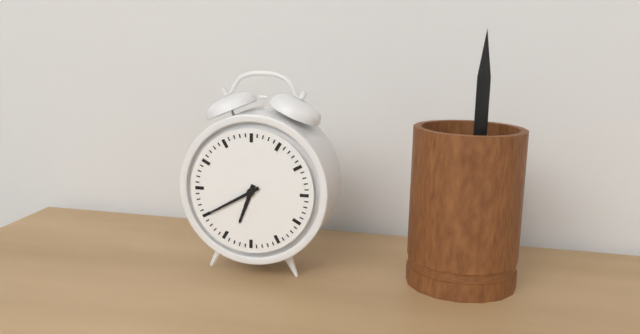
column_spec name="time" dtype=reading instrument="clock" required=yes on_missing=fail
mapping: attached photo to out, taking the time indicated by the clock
6:40
